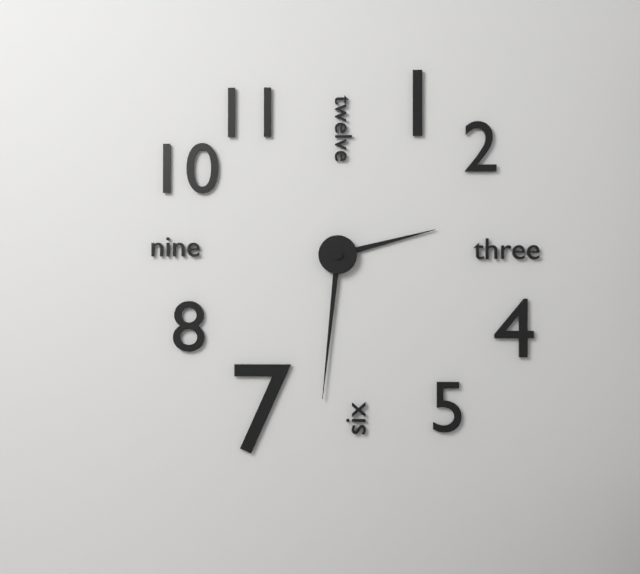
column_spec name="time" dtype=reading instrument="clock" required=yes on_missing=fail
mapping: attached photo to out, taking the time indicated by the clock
2:31
